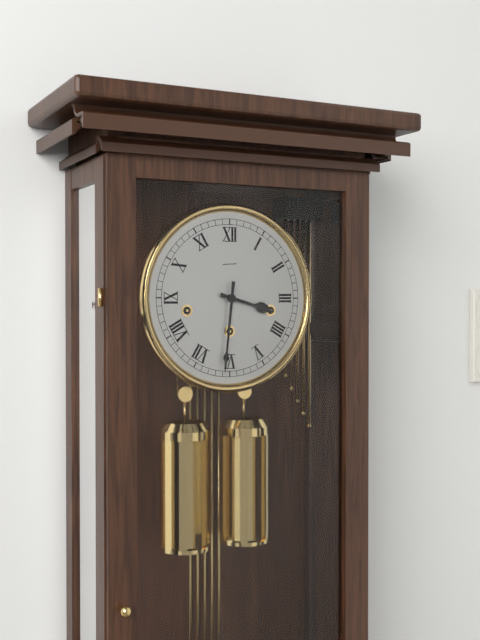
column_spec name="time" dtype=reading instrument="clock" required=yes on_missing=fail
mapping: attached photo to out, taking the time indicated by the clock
3:31
